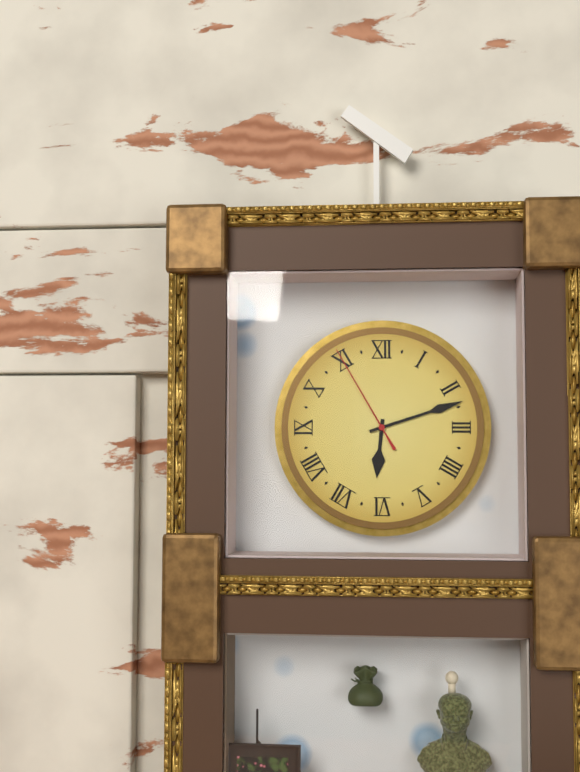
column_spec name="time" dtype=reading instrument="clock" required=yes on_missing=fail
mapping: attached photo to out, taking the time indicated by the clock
6:12:55
